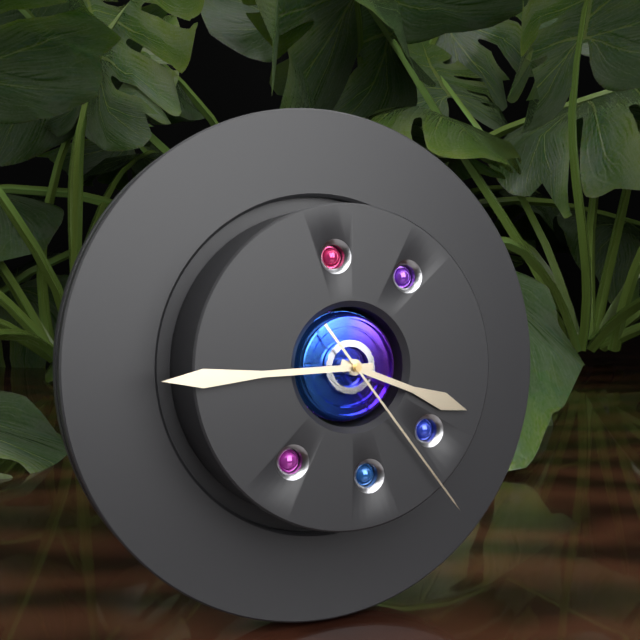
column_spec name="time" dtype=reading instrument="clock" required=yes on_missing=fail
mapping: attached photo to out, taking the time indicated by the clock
3:45:24
